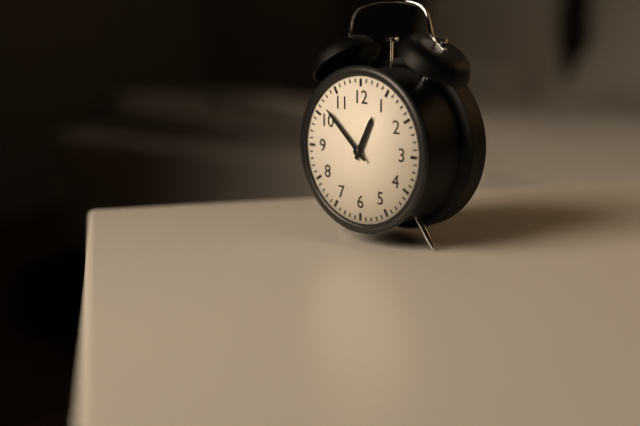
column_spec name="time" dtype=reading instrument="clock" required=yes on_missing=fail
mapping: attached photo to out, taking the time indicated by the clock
12:52
